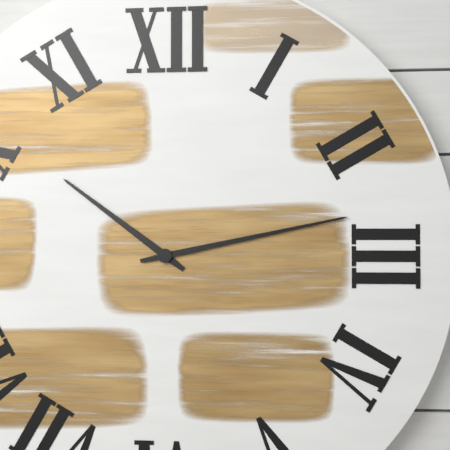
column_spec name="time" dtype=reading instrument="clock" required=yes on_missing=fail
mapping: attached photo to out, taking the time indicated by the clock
10:13
